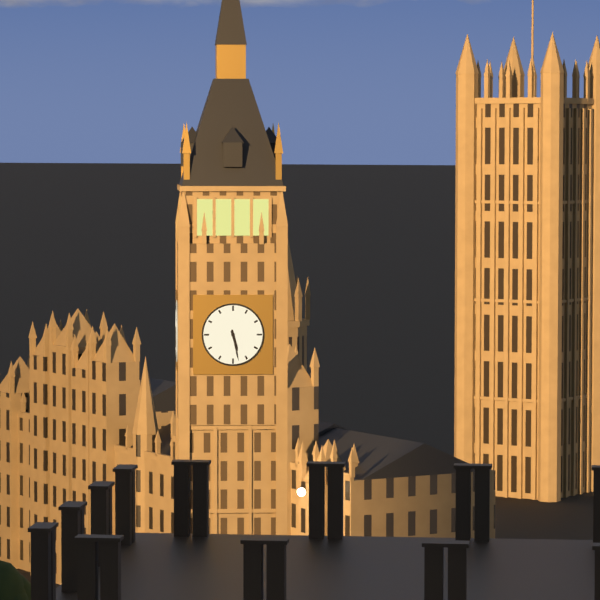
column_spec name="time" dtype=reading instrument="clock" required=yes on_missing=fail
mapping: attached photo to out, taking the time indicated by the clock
5:28
